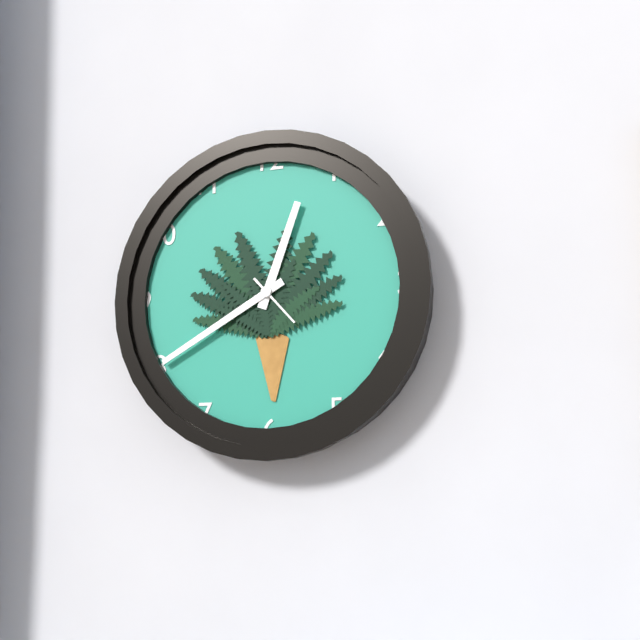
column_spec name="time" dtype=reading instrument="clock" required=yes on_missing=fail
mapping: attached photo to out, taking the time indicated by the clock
12:40
